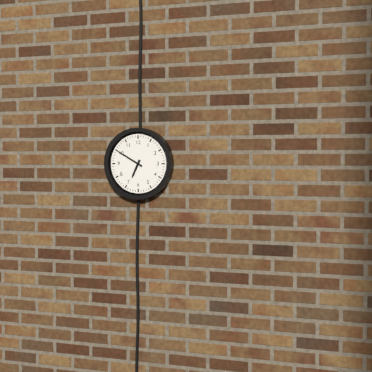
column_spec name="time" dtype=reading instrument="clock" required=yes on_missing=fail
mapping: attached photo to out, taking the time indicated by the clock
6:50
